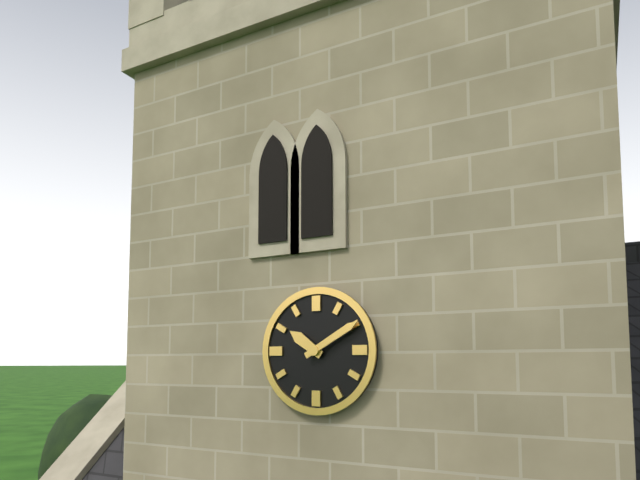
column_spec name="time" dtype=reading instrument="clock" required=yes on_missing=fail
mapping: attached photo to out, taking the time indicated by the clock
10:10
